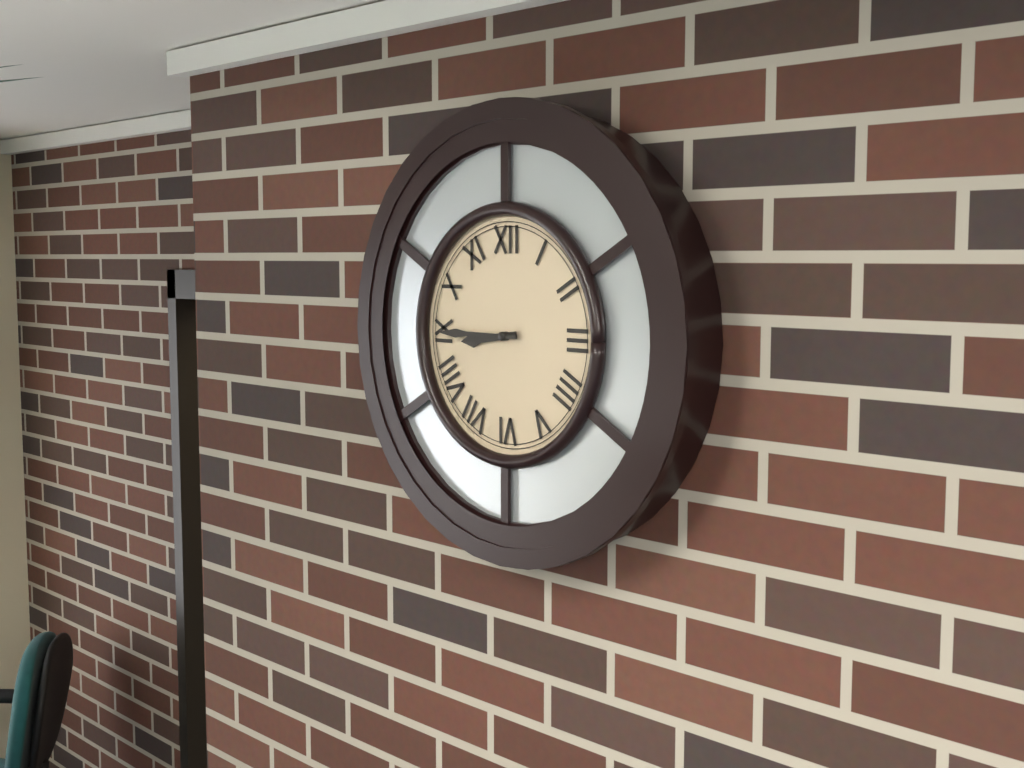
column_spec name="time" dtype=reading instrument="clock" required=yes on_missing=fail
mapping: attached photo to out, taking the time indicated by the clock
8:45
